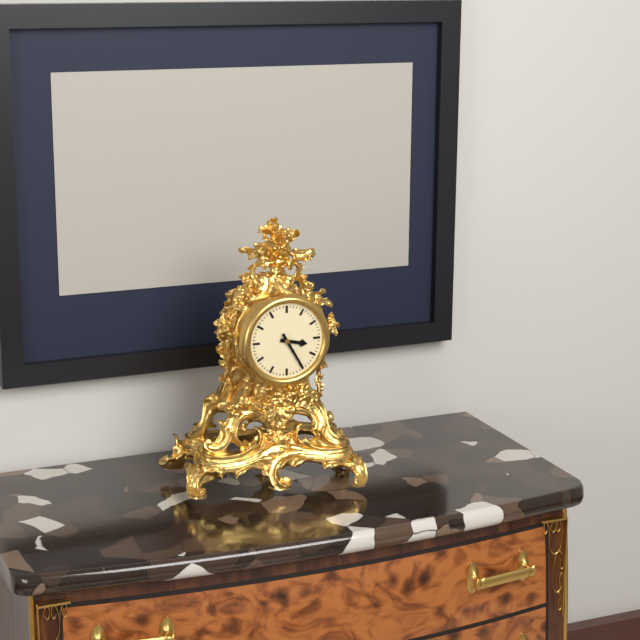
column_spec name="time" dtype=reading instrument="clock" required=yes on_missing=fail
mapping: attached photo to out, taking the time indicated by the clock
3:25
